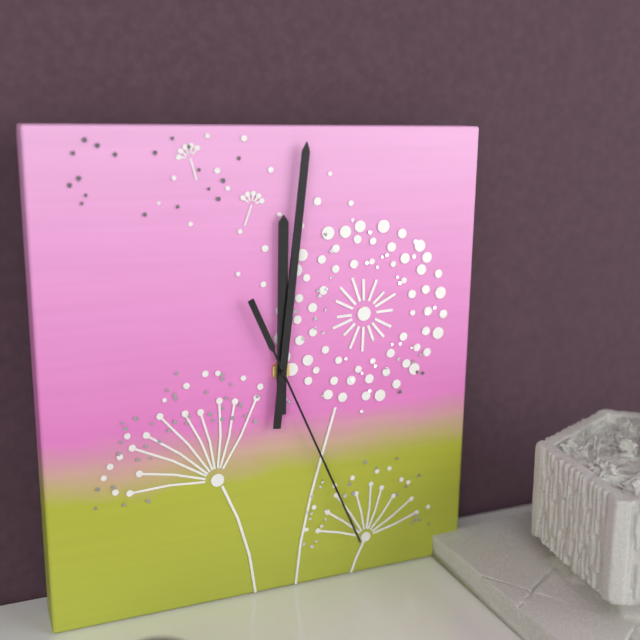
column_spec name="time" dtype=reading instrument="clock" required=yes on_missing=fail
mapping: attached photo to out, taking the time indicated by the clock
12:01:26
